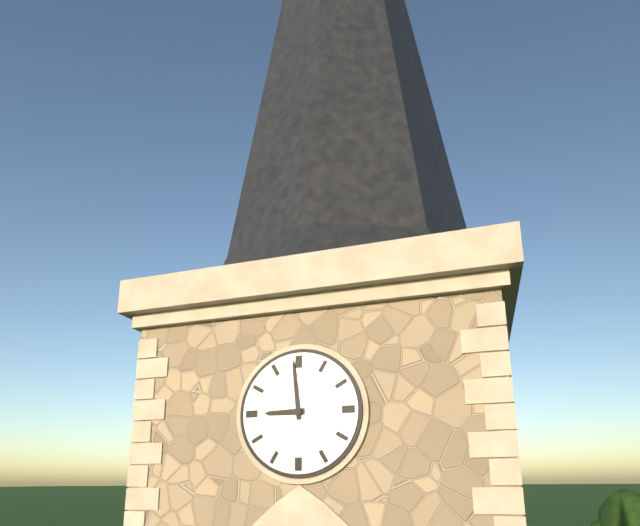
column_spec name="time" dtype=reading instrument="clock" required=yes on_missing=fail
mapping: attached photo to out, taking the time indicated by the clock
8:59
